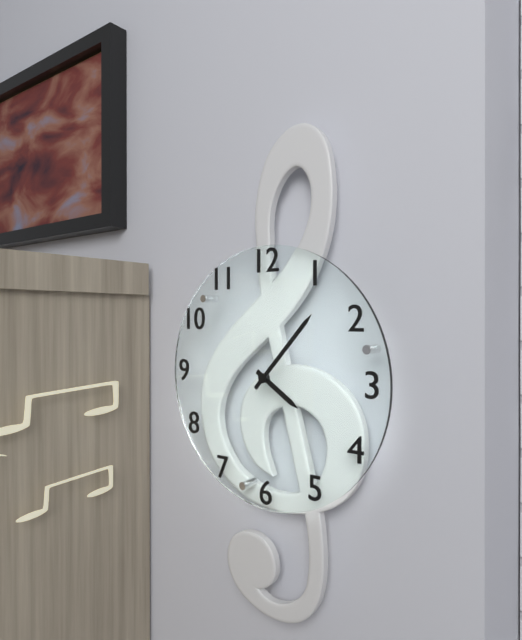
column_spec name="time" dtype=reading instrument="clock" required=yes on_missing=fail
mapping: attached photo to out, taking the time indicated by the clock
4:07
